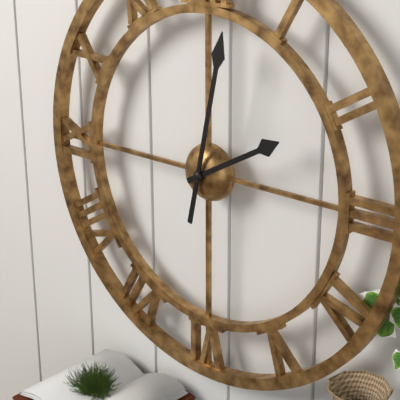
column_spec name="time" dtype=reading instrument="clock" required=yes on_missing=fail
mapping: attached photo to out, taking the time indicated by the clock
2:02
